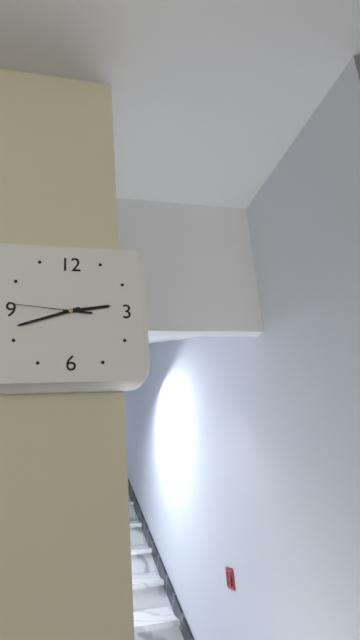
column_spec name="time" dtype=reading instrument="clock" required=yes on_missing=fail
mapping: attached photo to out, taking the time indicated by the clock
2:42:46
